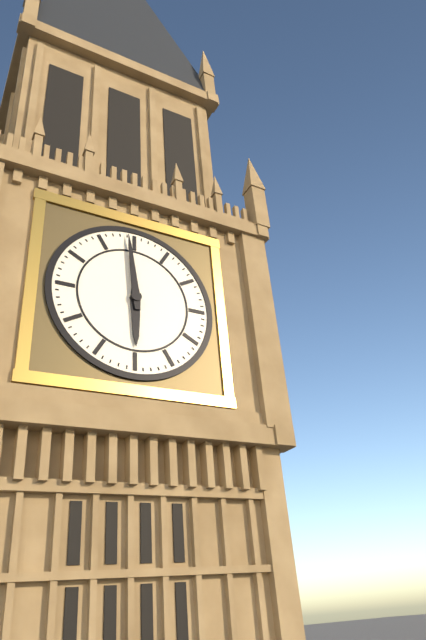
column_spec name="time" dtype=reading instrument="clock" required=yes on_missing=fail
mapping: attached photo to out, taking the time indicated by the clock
5:59
